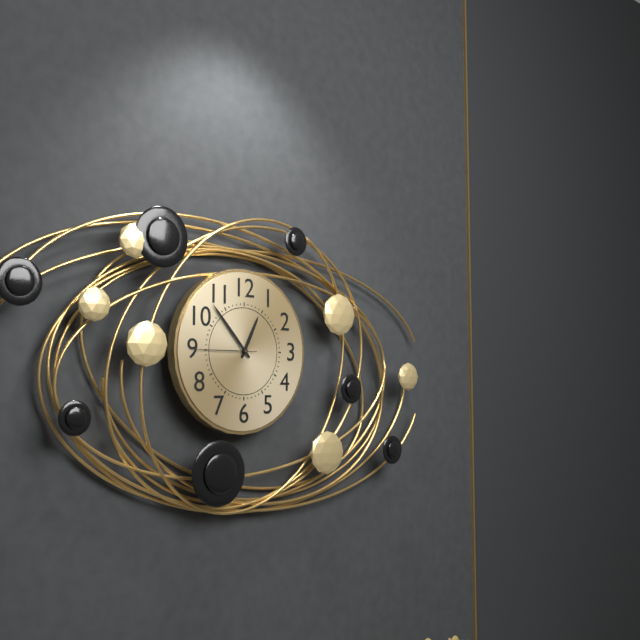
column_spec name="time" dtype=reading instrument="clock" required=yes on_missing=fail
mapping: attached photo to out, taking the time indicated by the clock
12:53:45
